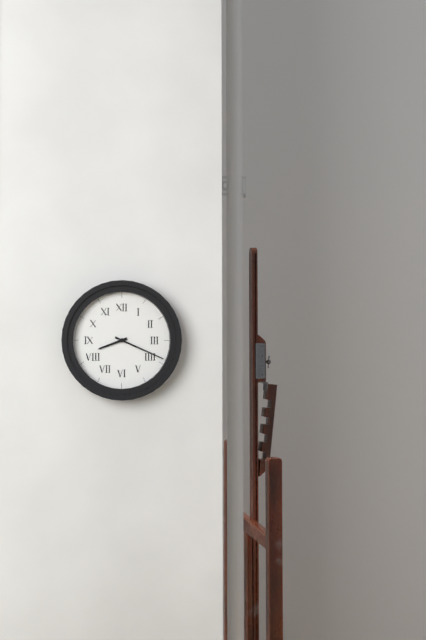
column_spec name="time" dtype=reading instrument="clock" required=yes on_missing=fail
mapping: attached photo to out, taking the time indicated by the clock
8:19
